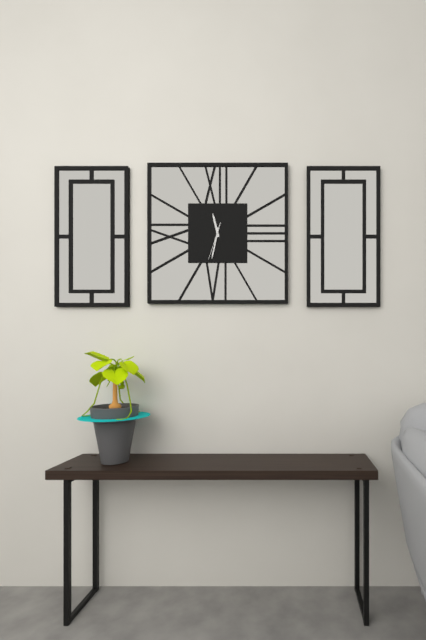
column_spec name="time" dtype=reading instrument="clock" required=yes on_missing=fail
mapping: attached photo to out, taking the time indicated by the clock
11:32
